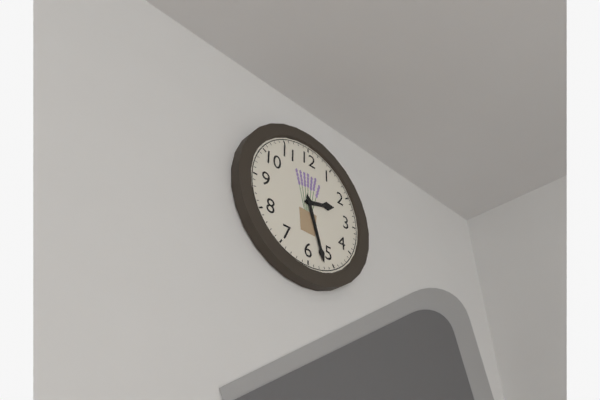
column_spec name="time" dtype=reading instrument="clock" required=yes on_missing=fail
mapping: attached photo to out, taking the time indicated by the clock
2:27
